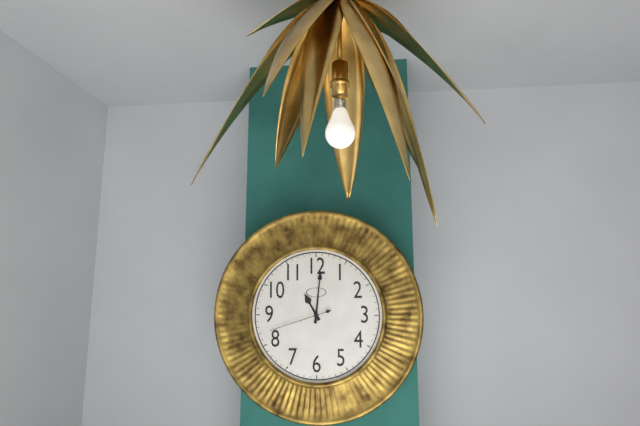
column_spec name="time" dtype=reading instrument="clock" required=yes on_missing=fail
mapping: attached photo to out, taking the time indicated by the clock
11:01:42
